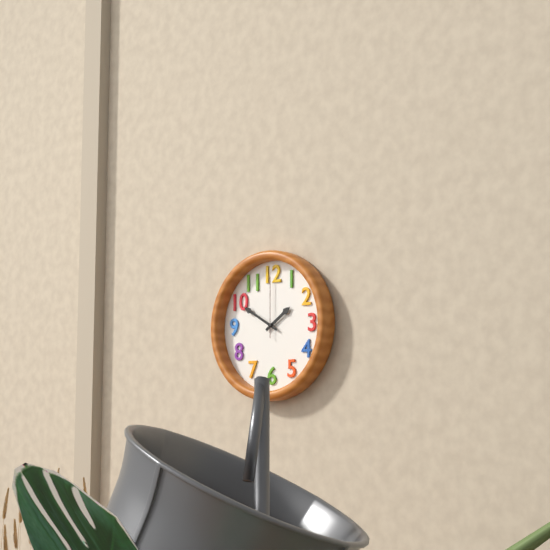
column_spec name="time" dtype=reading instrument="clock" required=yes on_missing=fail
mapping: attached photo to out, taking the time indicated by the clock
1:50:00
